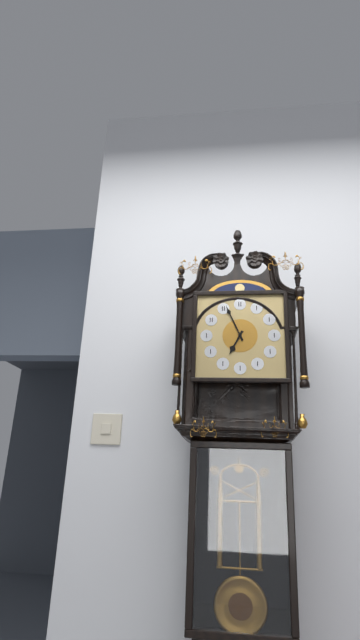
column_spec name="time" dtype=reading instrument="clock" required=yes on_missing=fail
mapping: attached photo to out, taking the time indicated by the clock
6:56
